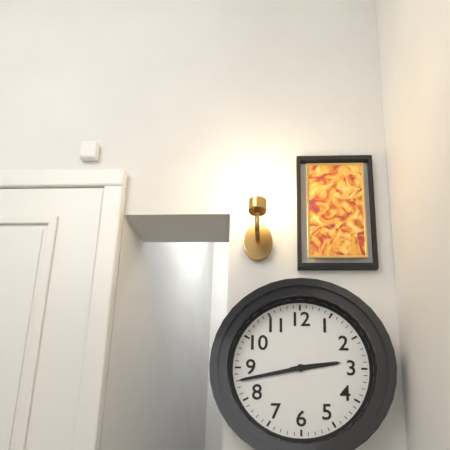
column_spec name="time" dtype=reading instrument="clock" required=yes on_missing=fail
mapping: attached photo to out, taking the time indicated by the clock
2:43
